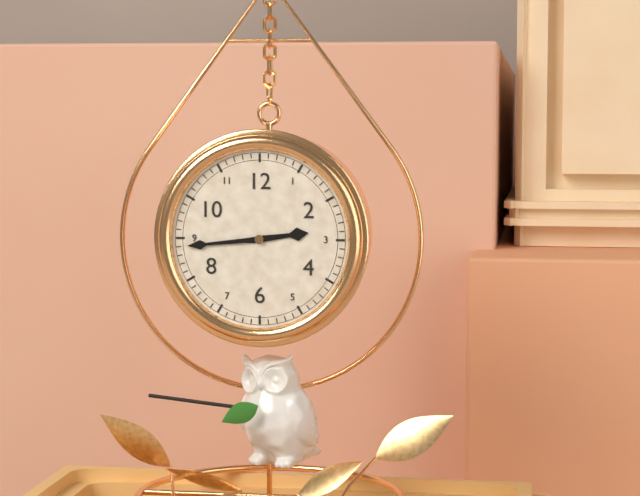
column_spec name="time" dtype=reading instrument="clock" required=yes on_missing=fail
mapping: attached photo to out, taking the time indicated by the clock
2:44
